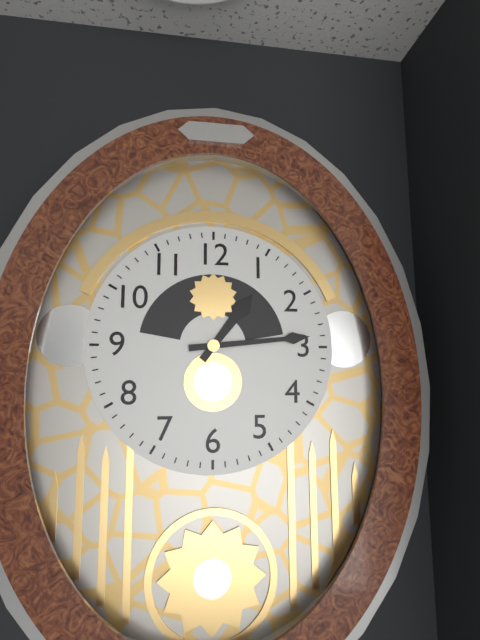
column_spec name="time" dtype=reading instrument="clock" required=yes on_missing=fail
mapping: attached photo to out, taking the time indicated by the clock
1:14
